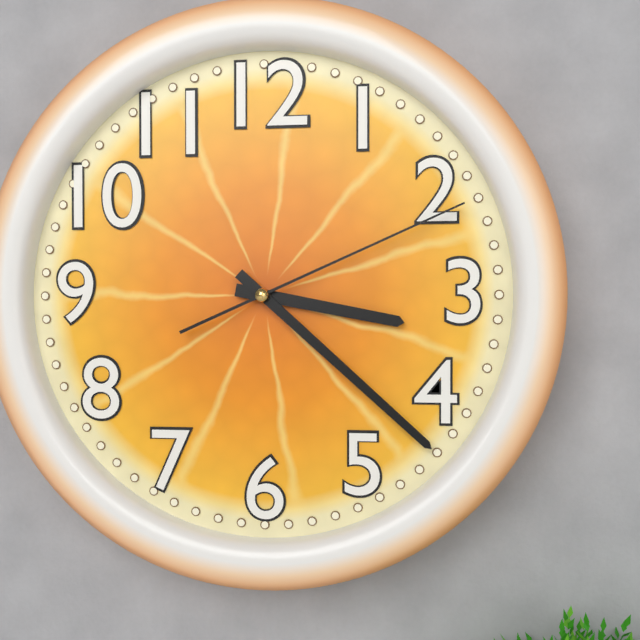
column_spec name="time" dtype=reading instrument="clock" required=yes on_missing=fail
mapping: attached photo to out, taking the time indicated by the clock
3:22:11
